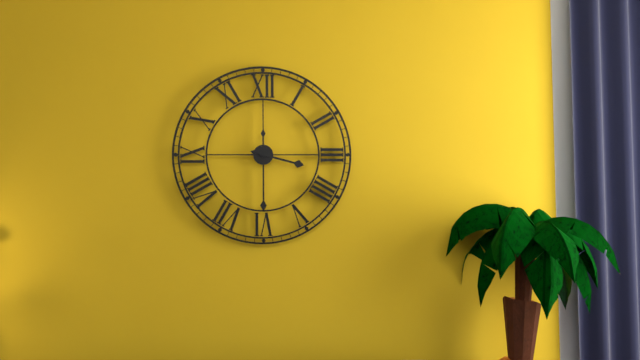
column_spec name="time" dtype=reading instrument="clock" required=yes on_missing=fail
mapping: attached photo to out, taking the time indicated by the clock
3:30
